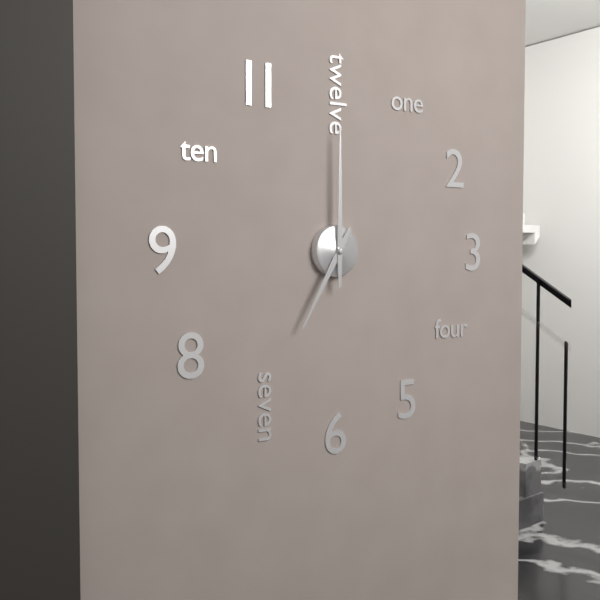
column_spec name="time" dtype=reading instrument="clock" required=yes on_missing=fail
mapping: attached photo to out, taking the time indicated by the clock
7:00
